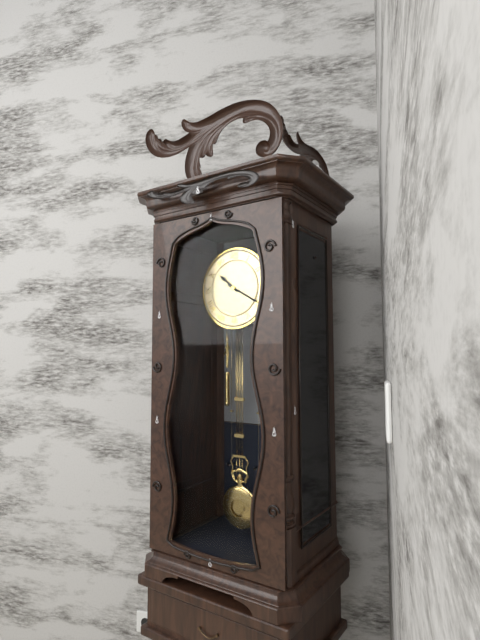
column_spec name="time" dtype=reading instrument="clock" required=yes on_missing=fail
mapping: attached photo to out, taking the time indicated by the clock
10:20
